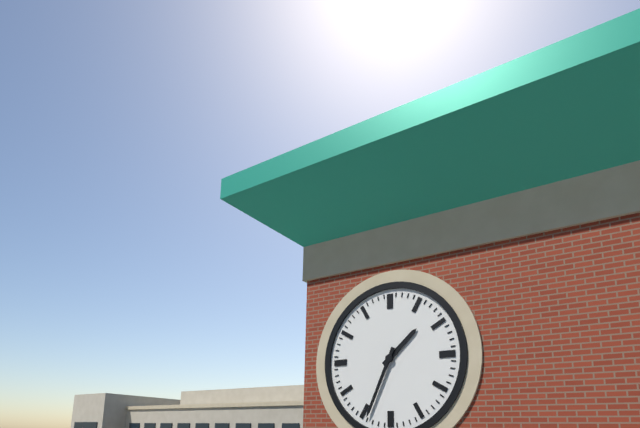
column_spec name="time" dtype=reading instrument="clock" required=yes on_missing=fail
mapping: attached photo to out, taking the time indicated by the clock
1:34
